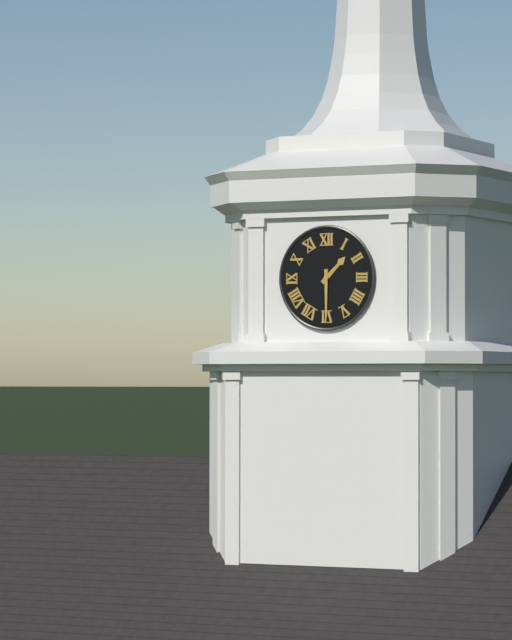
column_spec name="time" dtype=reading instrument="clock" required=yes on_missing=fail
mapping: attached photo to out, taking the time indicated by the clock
1:30
